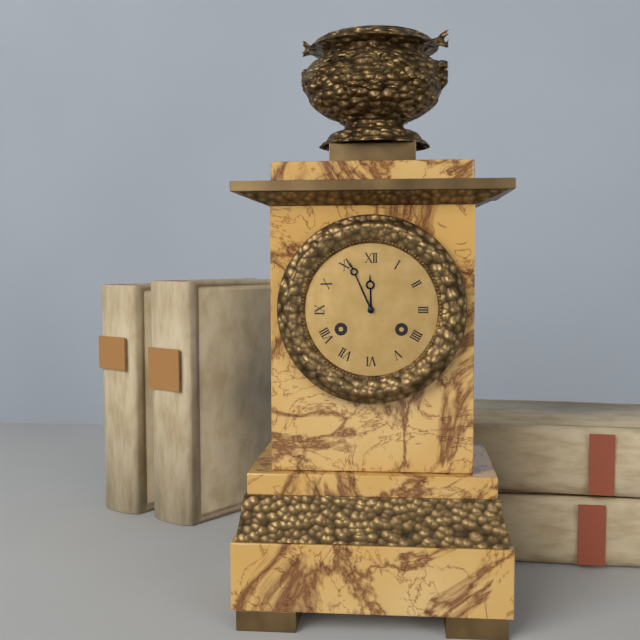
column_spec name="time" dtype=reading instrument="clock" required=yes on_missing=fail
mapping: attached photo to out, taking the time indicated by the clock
11:56
